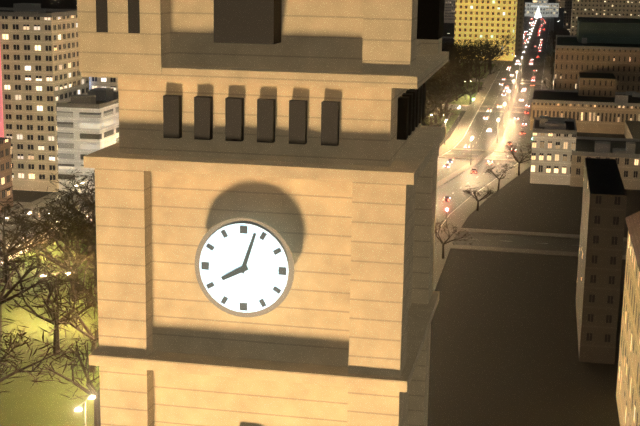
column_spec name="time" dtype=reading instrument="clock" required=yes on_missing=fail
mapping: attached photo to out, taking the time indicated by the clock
8:03
